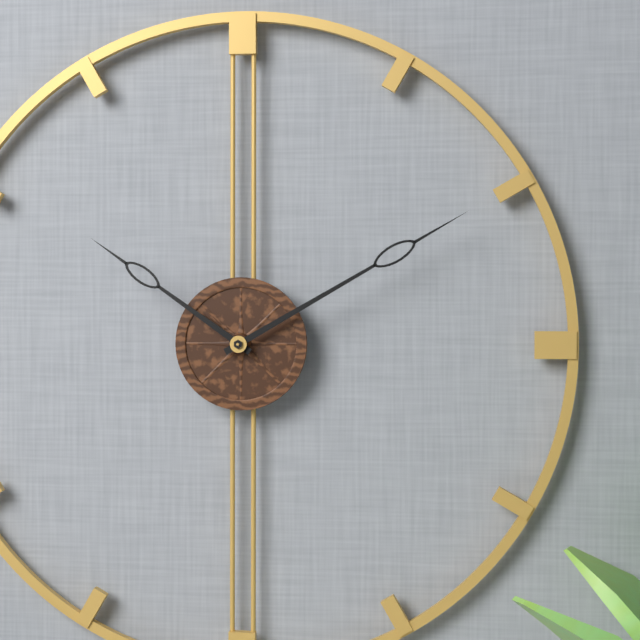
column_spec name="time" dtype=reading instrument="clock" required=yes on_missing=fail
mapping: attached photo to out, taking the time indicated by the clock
10:10
